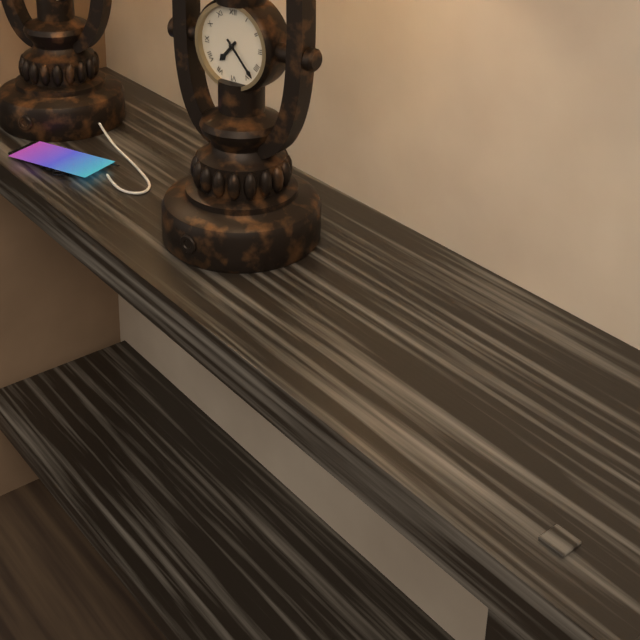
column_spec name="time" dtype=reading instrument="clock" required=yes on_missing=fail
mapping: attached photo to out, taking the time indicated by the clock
7:23
